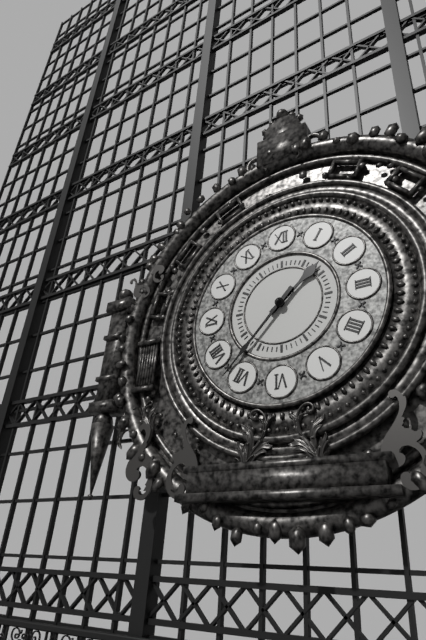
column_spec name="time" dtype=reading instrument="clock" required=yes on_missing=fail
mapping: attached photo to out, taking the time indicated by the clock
1:37
